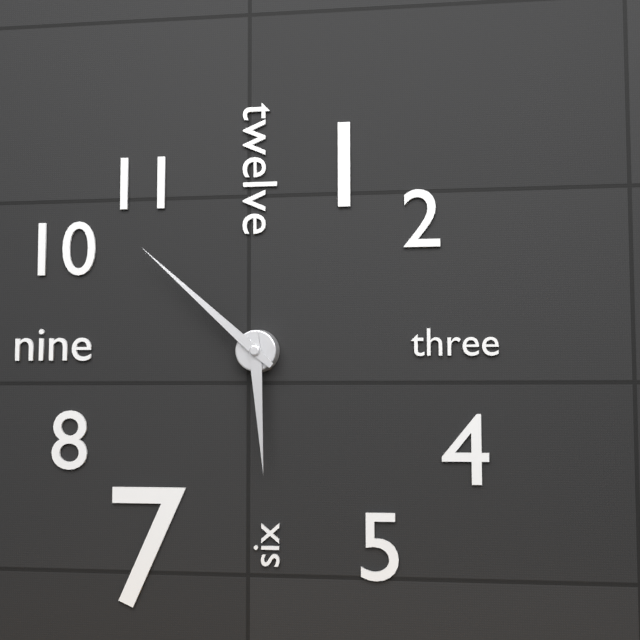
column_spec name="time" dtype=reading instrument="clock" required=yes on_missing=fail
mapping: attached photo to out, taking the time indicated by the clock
5:52
